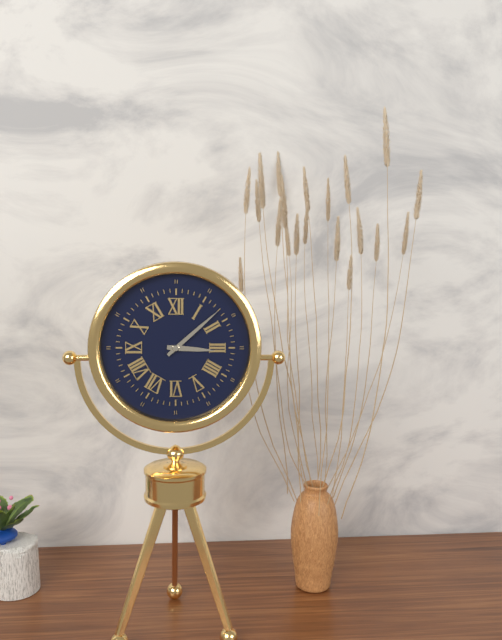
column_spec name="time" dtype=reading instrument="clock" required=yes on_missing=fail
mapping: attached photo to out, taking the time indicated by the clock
3:08
